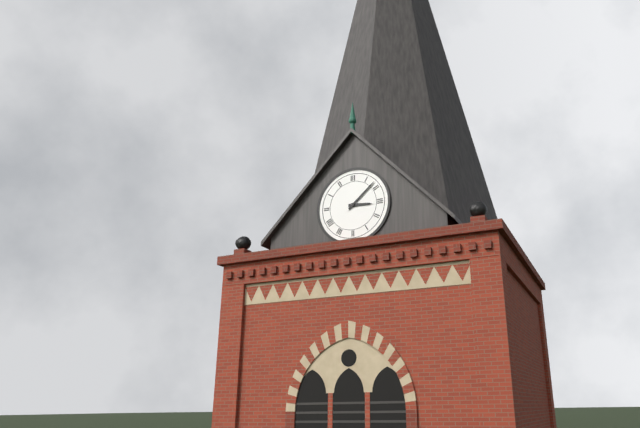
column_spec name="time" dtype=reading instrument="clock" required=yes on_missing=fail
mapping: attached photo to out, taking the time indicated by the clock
3:08
